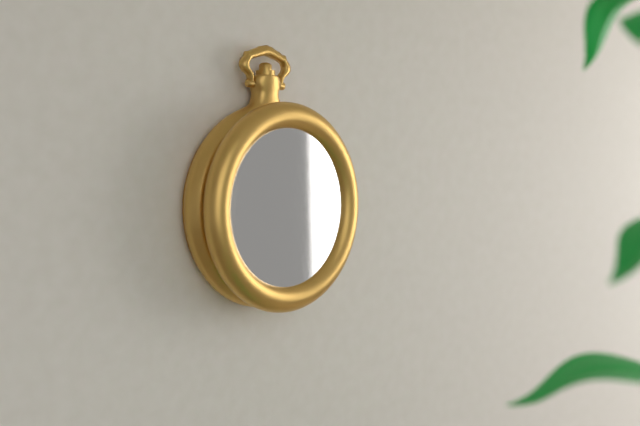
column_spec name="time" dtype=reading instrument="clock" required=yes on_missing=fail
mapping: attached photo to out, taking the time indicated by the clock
8:49
